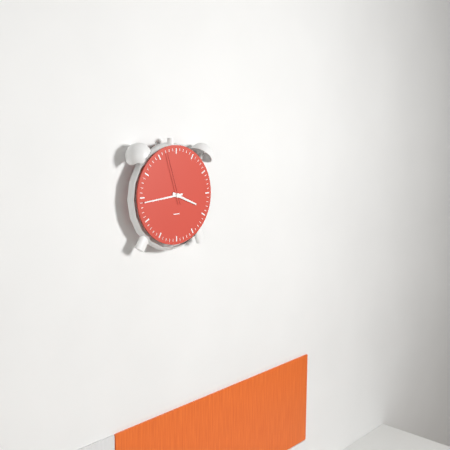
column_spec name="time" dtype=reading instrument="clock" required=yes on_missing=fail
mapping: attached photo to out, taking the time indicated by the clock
3:44:57
